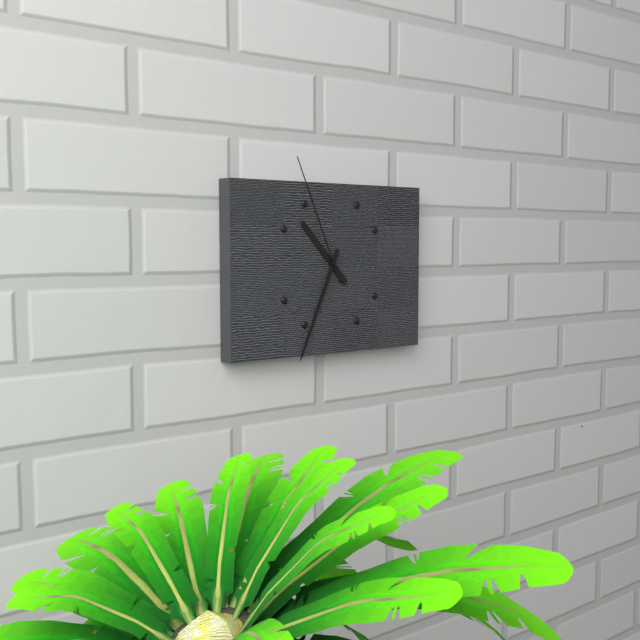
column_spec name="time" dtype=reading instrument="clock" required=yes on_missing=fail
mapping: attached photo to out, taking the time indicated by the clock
10:34:56
